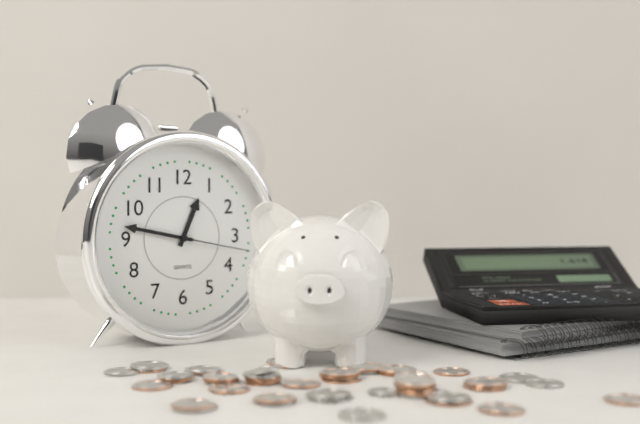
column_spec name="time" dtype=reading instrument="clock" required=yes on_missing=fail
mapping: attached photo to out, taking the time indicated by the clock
12:47:17
